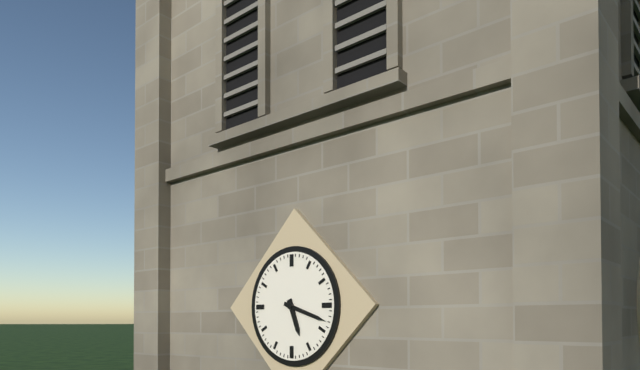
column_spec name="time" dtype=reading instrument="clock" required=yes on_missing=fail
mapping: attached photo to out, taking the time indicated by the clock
5:18
